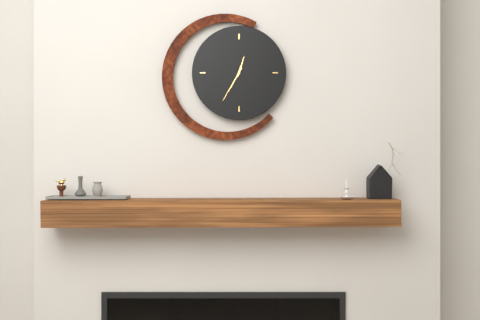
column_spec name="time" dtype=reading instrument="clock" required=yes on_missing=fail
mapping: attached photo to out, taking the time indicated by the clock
12:35
